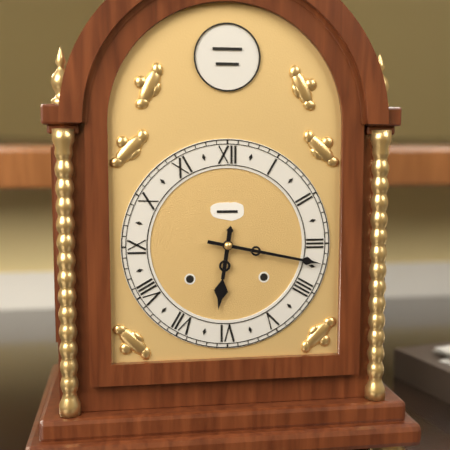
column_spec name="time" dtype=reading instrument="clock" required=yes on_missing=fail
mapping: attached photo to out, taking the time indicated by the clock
6:17
